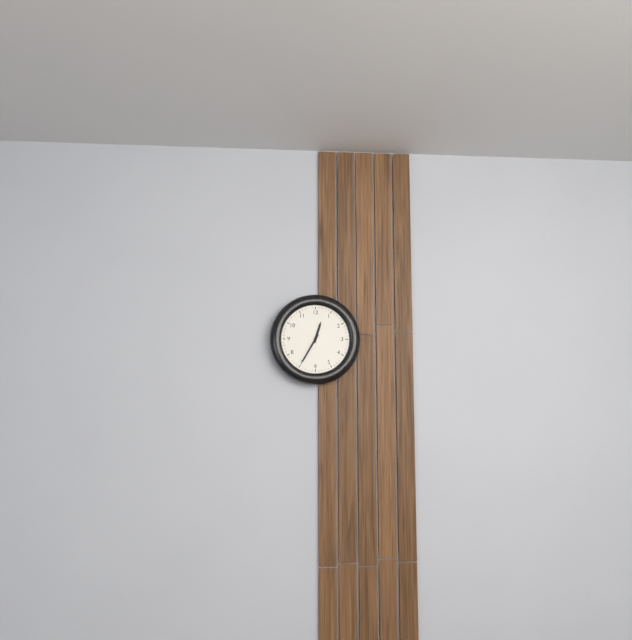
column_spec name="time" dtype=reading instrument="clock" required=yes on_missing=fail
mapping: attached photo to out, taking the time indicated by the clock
12:35
